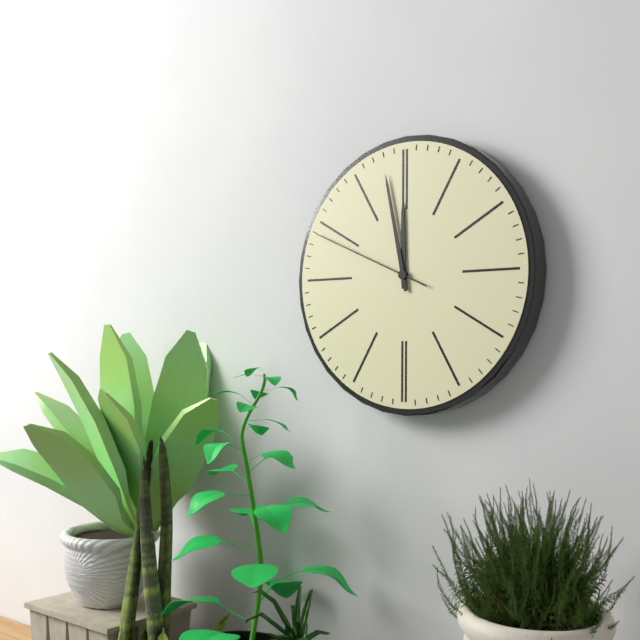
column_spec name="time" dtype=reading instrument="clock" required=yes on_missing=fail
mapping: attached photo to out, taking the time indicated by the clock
11:58:49
